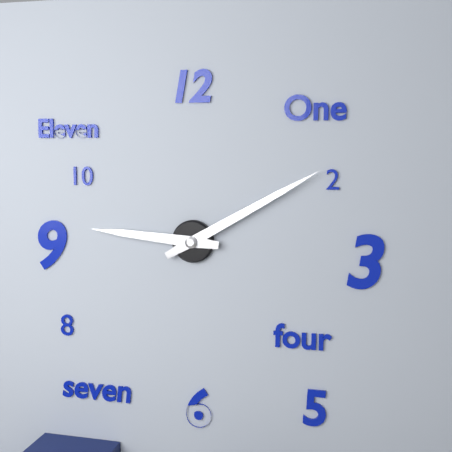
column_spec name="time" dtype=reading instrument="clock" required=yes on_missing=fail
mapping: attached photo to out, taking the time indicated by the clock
9:10
